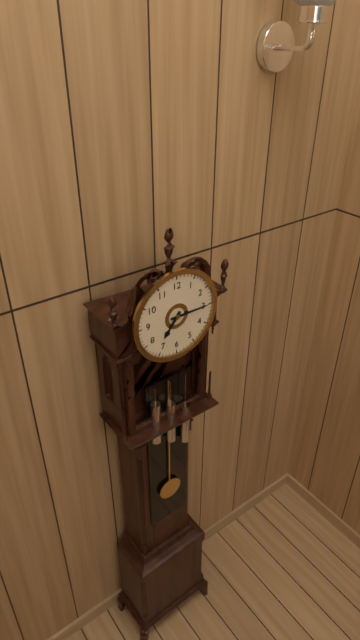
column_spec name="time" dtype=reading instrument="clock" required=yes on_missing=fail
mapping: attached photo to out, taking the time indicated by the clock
7:15
